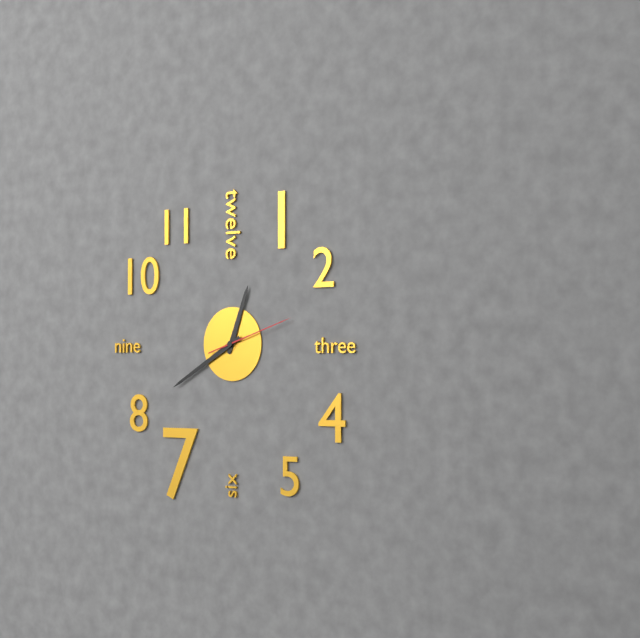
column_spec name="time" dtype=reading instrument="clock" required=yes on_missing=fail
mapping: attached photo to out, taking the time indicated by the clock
12:40:12
